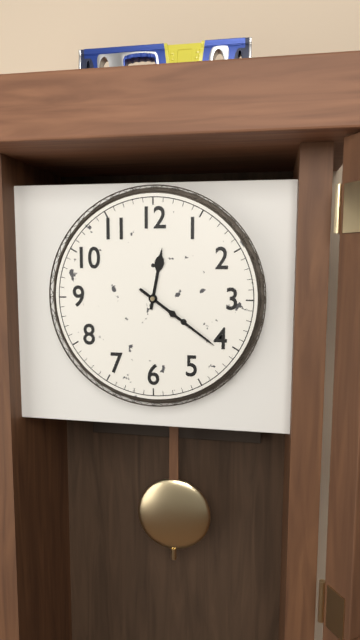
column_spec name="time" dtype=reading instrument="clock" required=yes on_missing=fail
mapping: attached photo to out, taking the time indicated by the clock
12:21
